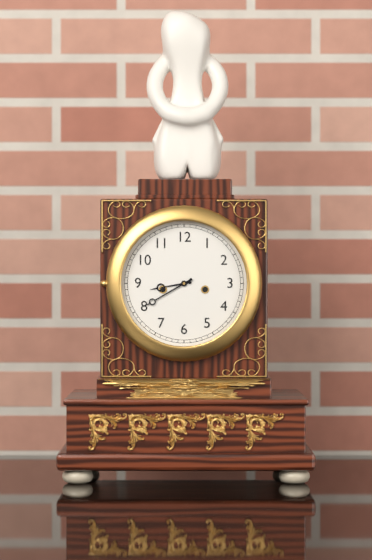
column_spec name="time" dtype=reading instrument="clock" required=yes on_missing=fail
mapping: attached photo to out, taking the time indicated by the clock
8:40
